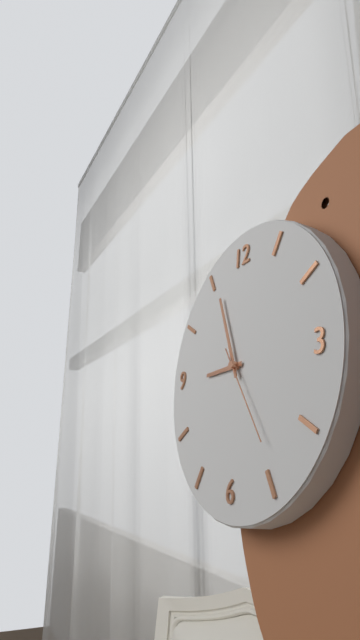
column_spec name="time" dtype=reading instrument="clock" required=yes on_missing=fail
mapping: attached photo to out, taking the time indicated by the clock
8:56:24
